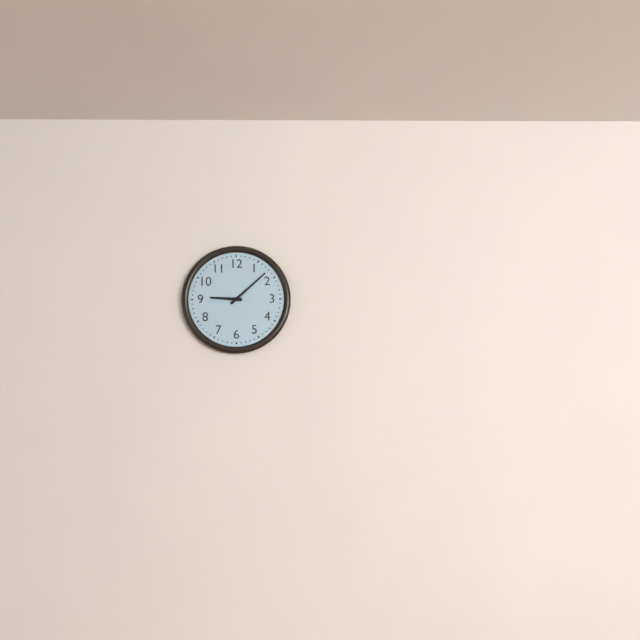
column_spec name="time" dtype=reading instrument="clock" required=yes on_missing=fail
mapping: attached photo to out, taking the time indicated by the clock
9:08
